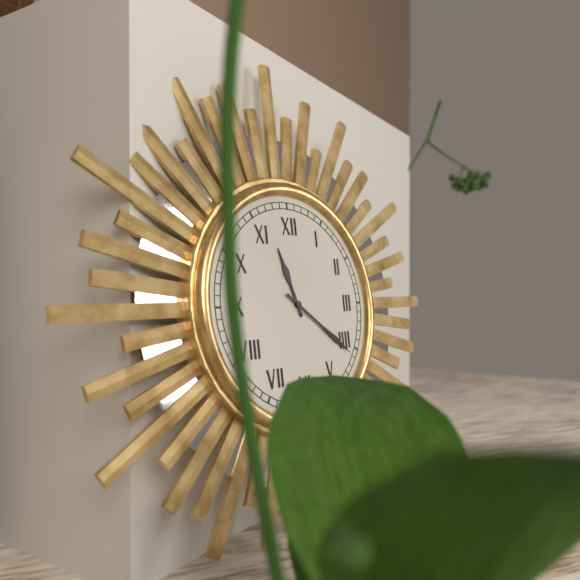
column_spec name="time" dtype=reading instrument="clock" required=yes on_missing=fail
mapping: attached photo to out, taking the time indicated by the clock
11:21
